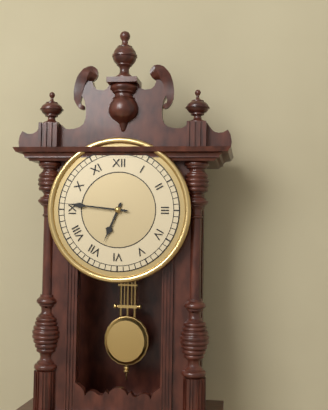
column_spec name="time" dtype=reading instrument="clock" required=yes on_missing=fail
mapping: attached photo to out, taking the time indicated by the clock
6:46
